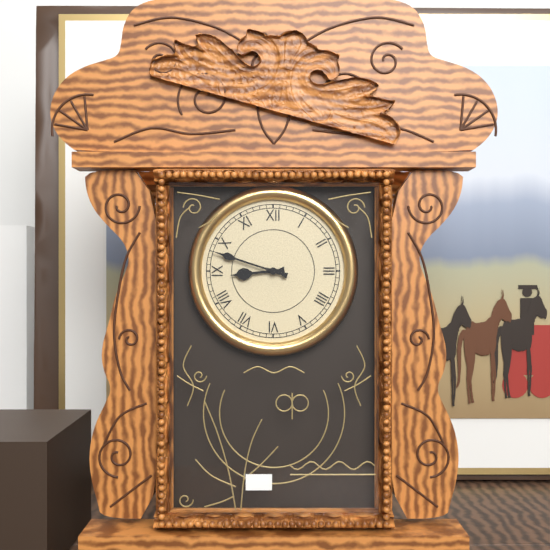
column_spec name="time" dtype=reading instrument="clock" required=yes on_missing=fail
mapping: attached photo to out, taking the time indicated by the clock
8:48
